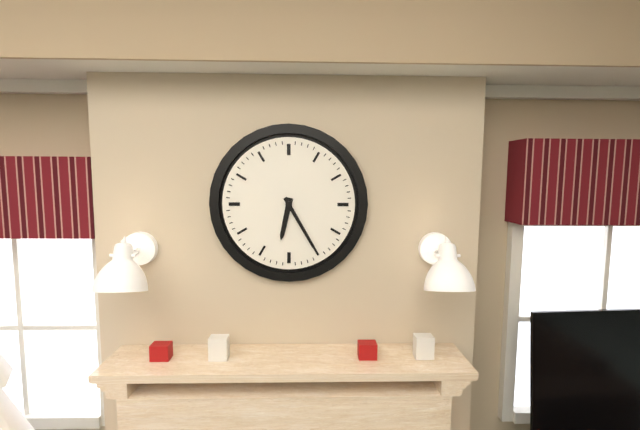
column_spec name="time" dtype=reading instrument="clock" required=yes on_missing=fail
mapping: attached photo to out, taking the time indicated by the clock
6:25
